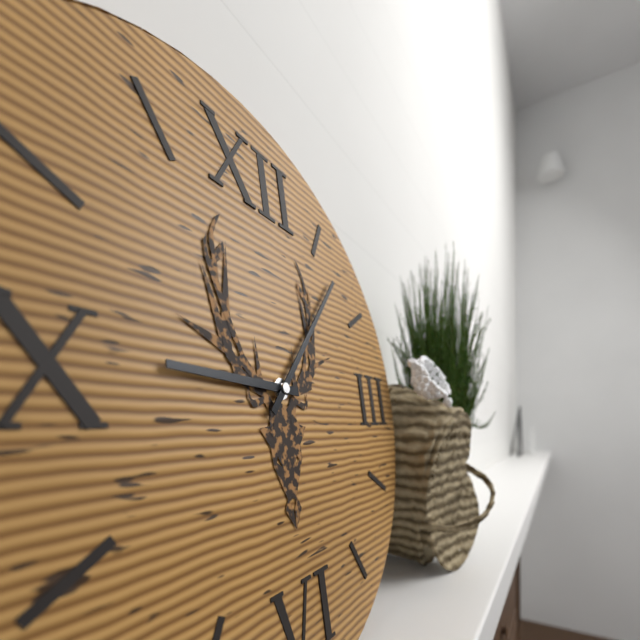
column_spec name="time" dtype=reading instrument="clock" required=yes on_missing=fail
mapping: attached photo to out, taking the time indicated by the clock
9:07
